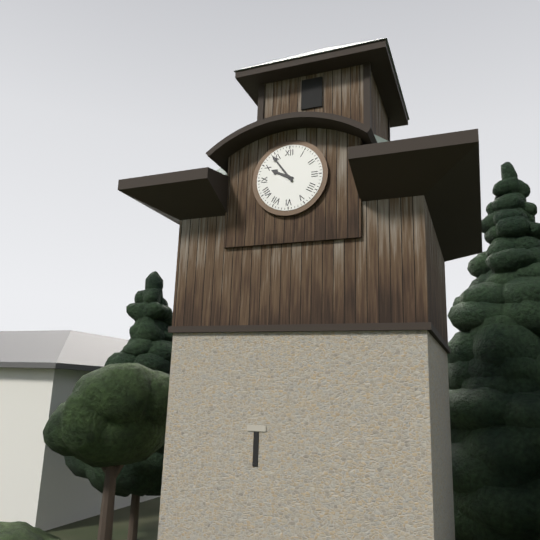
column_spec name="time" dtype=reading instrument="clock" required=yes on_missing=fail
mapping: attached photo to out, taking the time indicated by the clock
9:54
